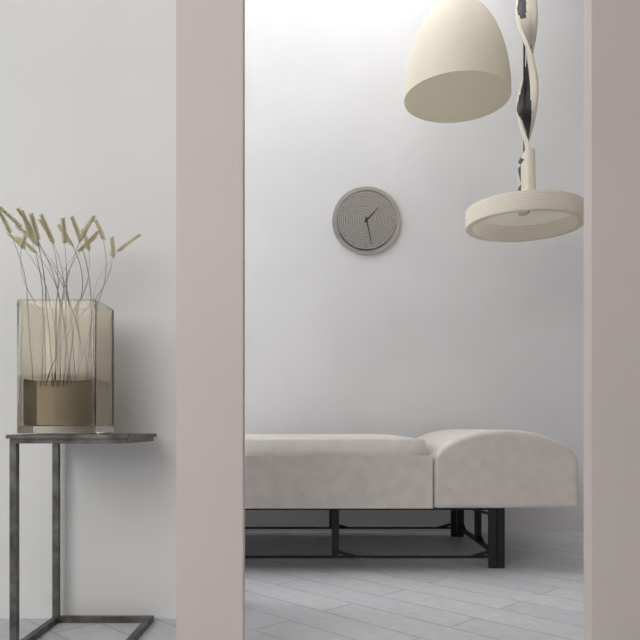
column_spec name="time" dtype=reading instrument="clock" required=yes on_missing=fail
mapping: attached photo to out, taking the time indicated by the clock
1:28
